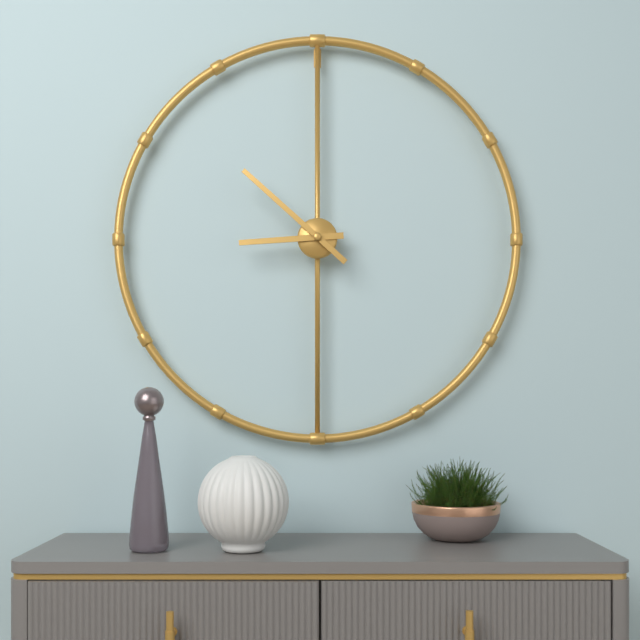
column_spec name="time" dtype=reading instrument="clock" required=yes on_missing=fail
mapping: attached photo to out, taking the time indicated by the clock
8:52
